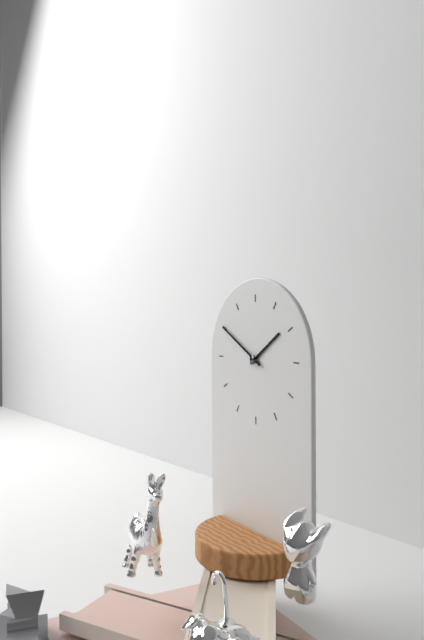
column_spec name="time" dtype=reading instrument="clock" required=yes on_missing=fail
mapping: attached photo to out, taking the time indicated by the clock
1:50
